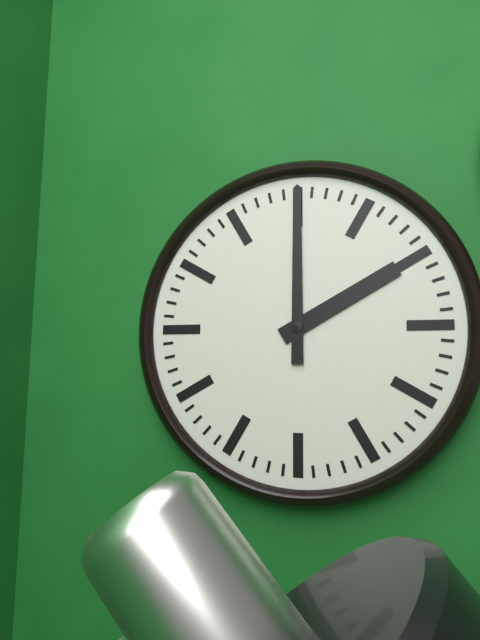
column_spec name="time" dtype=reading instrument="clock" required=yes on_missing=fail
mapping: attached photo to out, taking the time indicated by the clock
2:00
